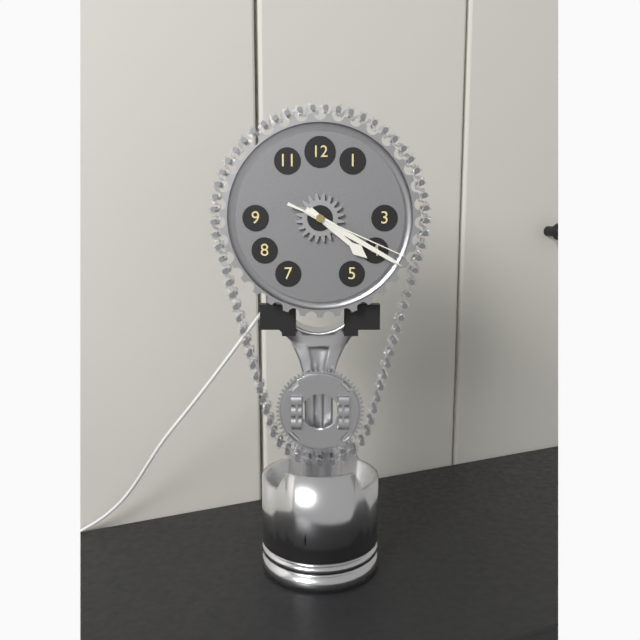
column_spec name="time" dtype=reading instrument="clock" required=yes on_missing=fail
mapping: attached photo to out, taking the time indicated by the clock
4:20:19
